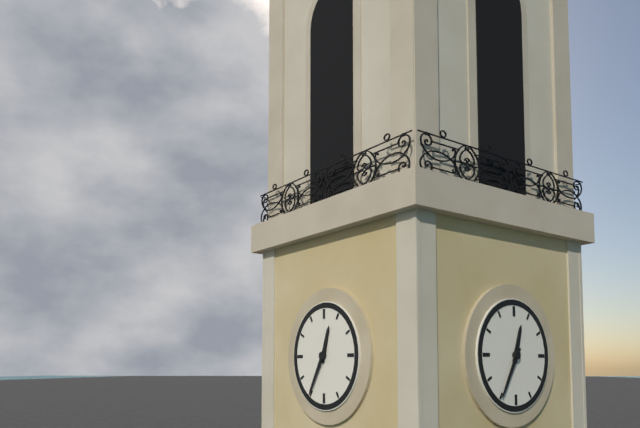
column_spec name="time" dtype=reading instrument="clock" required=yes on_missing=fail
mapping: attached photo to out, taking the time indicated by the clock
12:35
